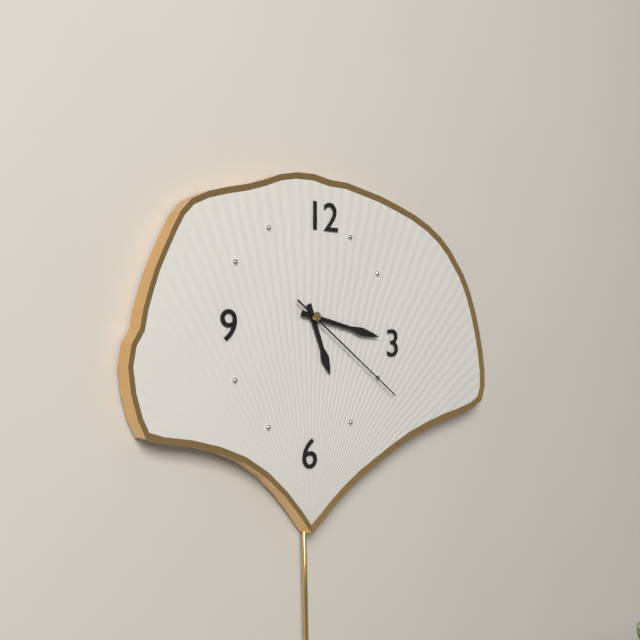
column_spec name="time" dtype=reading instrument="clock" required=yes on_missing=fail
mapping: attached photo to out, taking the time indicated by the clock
5:17:21
